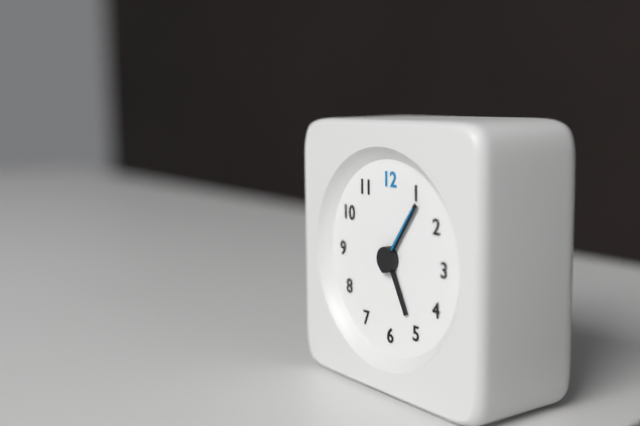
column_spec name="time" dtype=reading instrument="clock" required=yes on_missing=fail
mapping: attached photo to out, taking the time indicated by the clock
5:06:06
